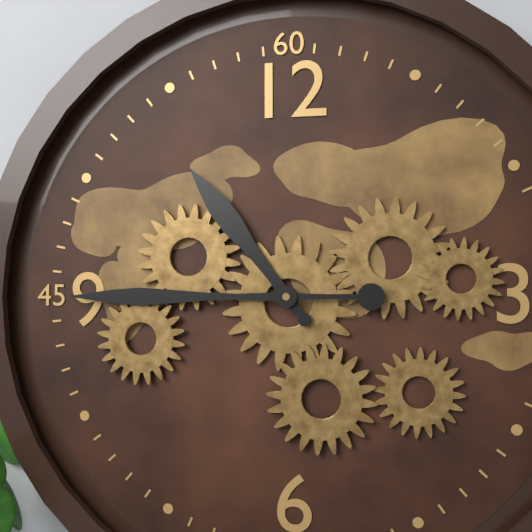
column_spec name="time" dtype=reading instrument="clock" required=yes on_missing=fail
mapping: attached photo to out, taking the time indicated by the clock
10:45
